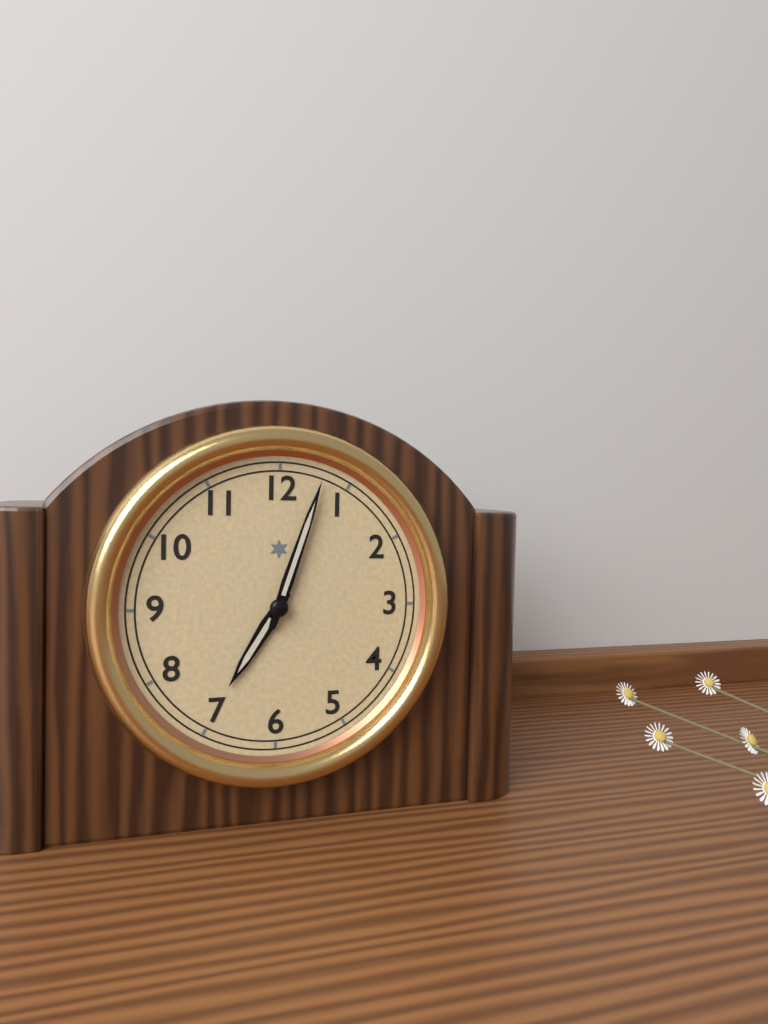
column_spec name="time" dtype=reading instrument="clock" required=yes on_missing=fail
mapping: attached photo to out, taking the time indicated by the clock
7:03
